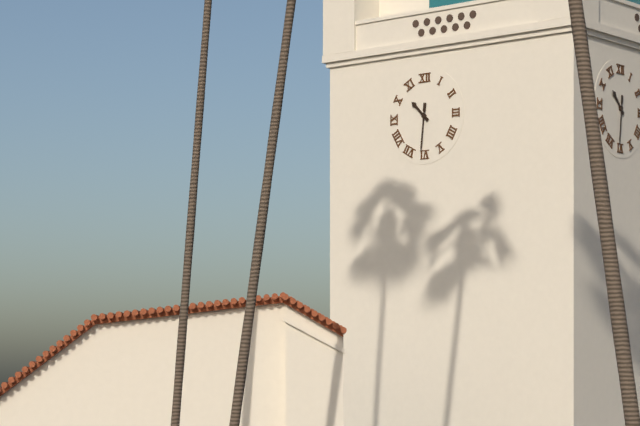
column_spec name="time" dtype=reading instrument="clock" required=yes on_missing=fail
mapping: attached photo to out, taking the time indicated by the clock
10:31
